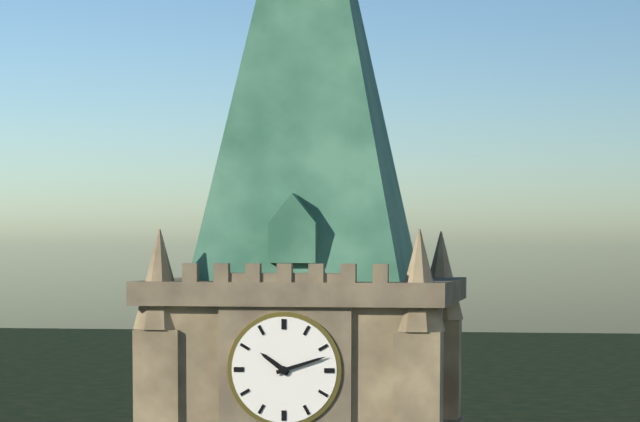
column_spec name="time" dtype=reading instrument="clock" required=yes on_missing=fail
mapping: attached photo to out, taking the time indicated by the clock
10:12
